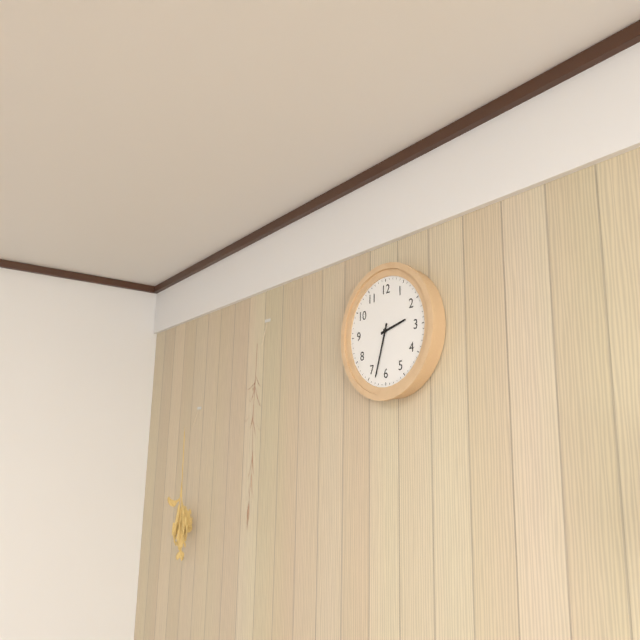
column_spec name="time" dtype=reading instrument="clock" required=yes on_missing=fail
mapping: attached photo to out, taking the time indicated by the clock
2:33
